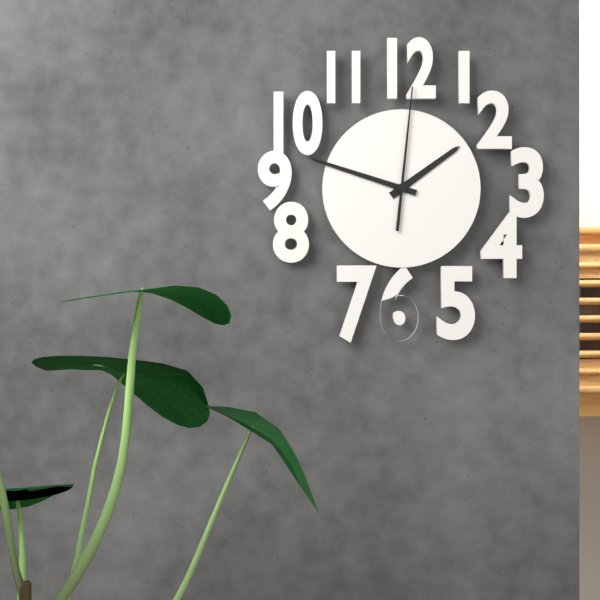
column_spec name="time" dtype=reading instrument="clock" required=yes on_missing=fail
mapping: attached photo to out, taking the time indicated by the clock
1:48:01
